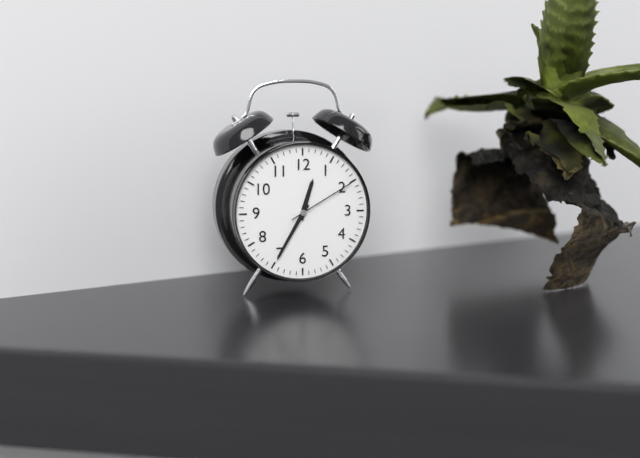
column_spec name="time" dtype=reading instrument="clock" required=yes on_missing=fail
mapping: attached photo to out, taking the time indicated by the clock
12:35:10
